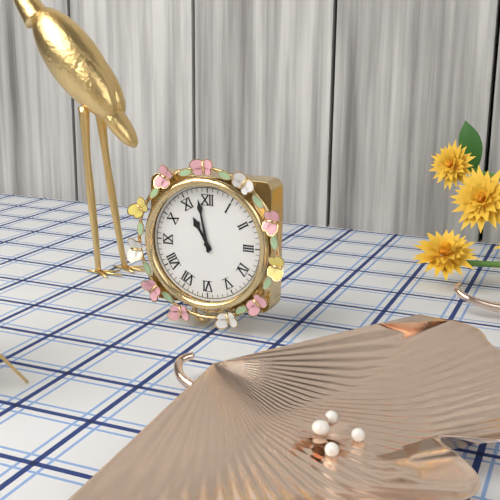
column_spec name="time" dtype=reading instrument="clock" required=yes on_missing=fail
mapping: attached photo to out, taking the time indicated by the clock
10:58
